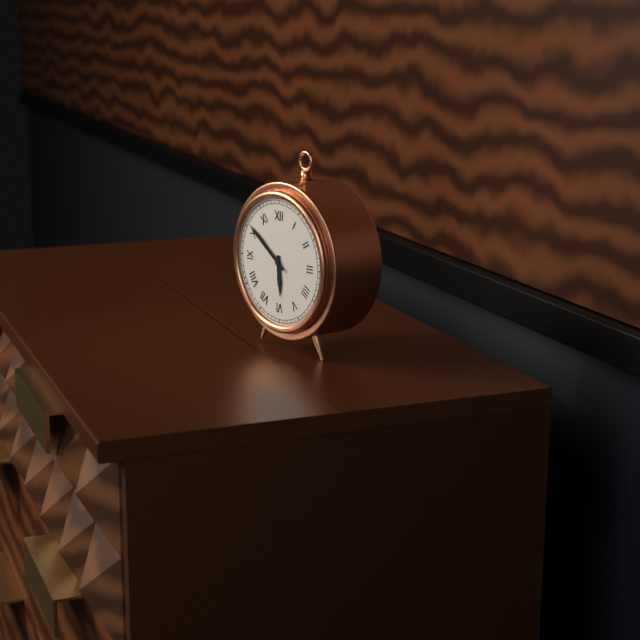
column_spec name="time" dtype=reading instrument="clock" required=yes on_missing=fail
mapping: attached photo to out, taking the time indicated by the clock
5:51
